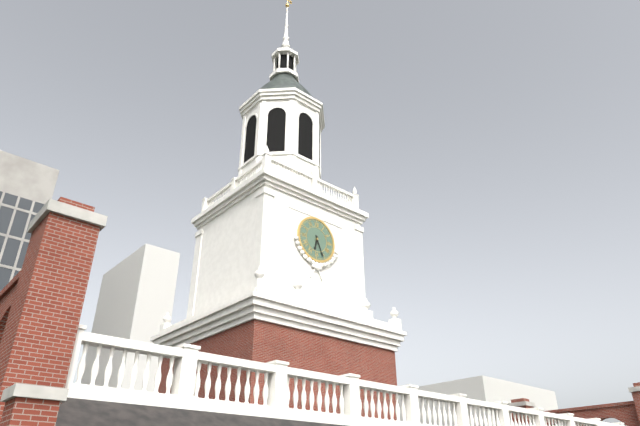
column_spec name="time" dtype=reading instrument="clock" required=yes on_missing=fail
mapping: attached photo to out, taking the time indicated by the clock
6:26
